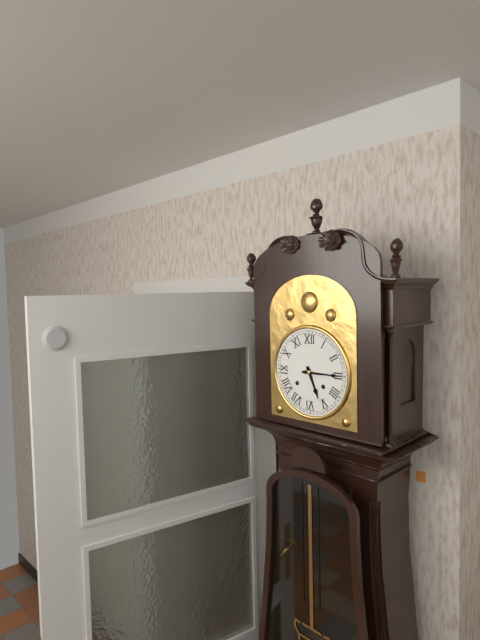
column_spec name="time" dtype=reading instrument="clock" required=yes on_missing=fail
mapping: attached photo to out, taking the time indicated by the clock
5:15
